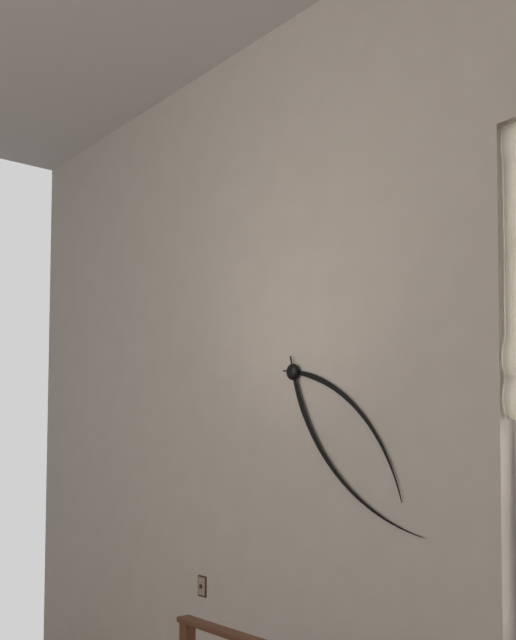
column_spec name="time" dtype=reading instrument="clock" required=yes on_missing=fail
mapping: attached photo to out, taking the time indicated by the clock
4:22
